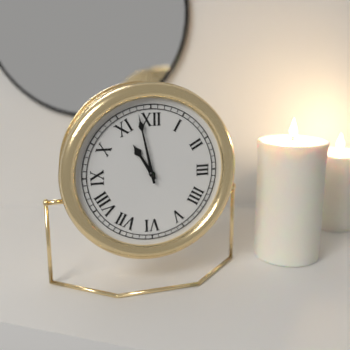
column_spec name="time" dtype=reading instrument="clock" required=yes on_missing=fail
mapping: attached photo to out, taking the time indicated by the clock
10:58
